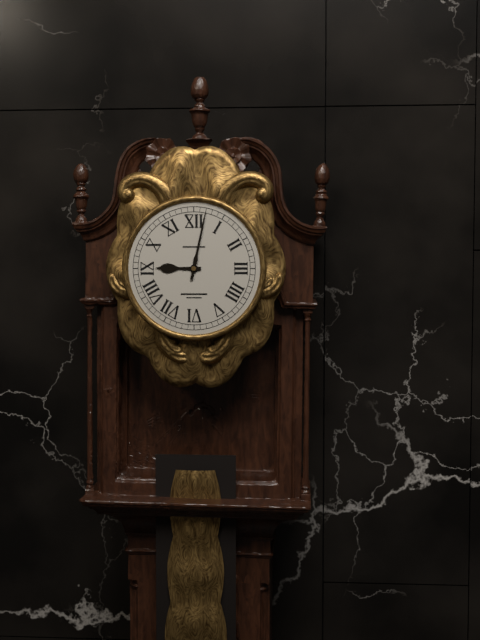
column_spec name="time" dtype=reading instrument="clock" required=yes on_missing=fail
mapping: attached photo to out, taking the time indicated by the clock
9:02
